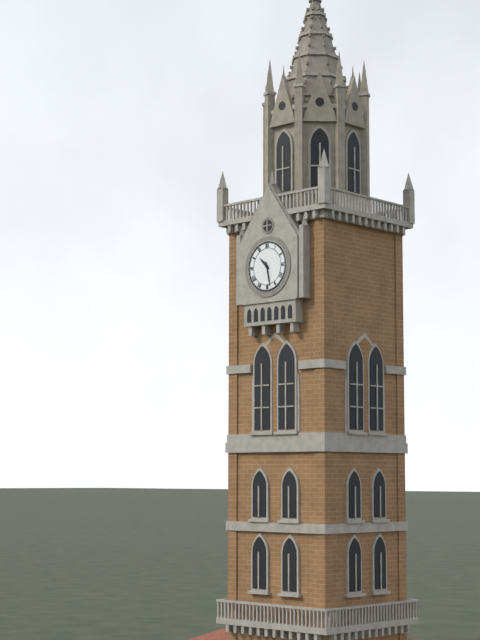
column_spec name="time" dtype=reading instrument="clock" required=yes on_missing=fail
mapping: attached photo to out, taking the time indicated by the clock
10:28
